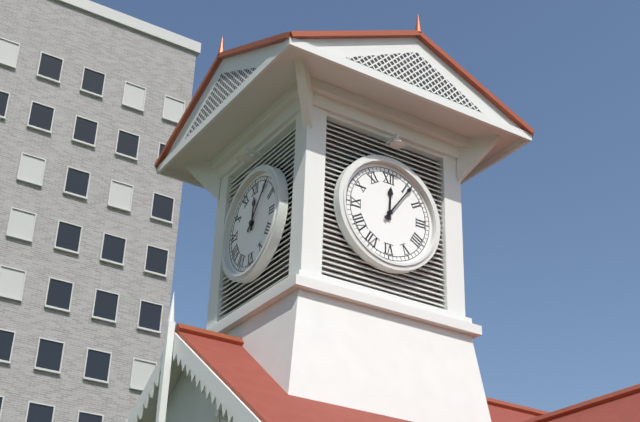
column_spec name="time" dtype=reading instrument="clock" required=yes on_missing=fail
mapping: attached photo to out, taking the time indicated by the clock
12:06
